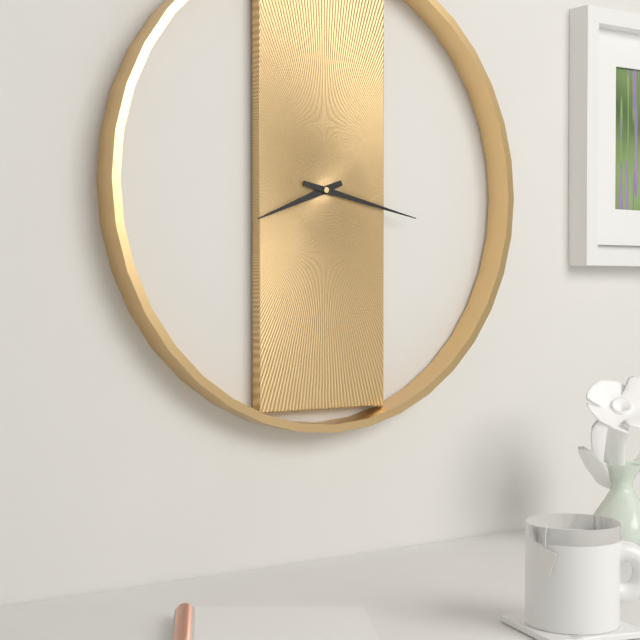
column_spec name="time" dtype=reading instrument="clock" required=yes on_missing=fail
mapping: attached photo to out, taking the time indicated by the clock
8:17
